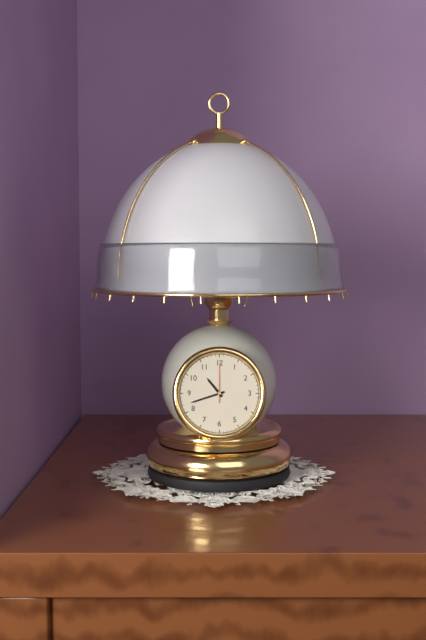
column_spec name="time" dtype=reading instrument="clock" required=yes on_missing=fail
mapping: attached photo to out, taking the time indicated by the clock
10:42
